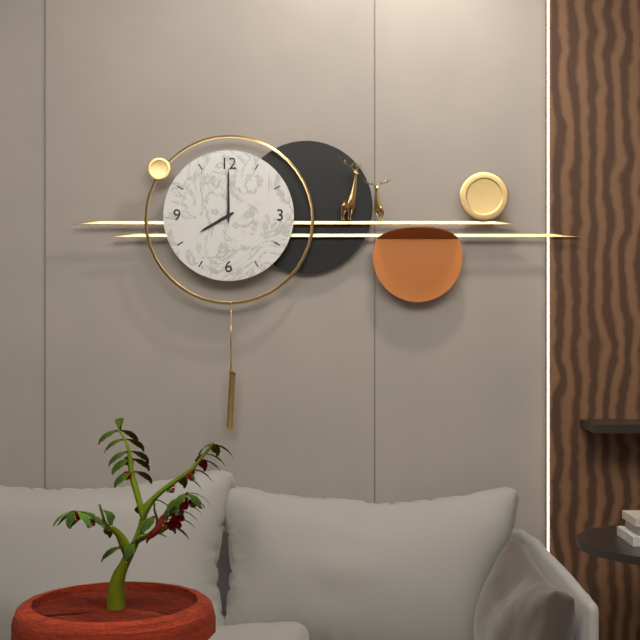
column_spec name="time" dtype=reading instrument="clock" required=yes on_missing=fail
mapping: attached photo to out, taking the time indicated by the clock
8:00
